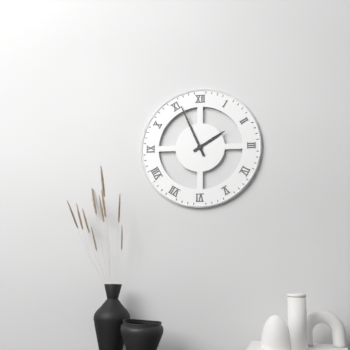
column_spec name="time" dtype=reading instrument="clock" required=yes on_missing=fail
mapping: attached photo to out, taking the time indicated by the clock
1:56
